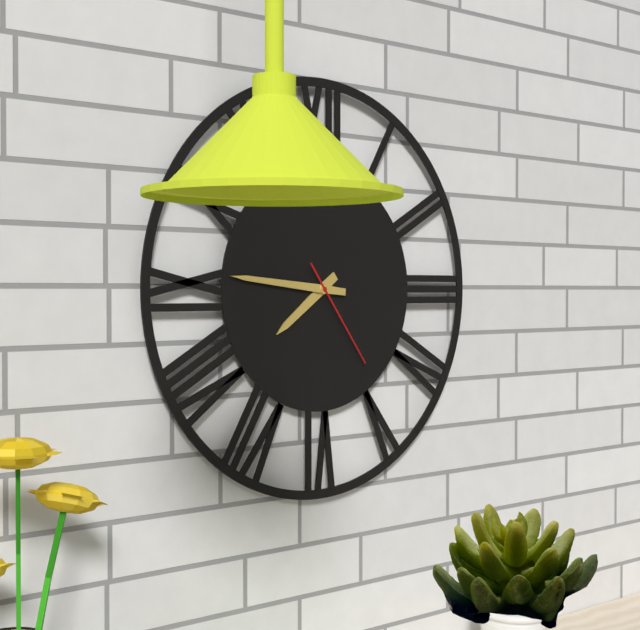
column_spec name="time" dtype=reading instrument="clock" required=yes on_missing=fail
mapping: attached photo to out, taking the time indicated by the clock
7:46:24
